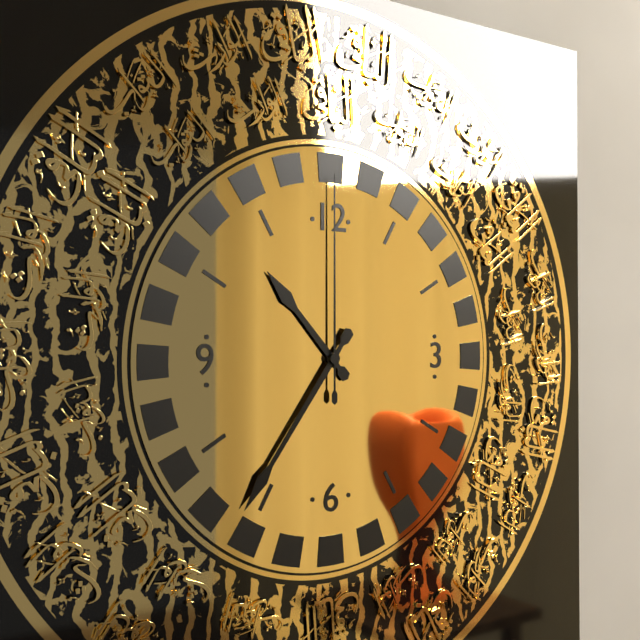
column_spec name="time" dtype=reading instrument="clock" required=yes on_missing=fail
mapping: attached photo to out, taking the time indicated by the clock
10:36:00
